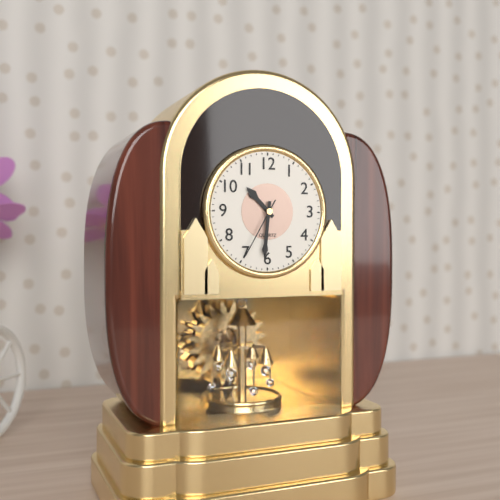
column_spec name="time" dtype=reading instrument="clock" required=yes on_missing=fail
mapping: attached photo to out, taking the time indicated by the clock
10:31:35
